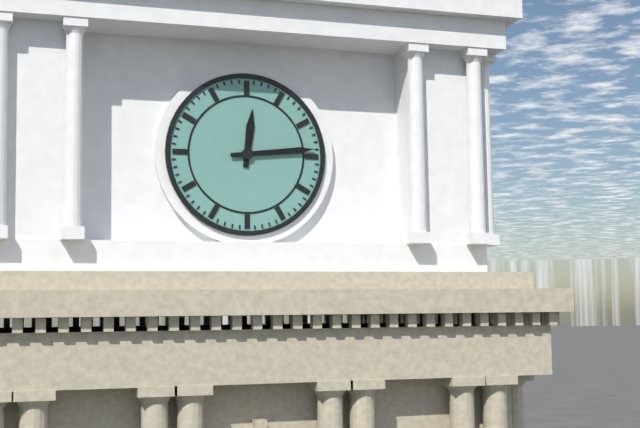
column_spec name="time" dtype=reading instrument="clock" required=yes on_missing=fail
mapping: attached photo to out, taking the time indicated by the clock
12:14
